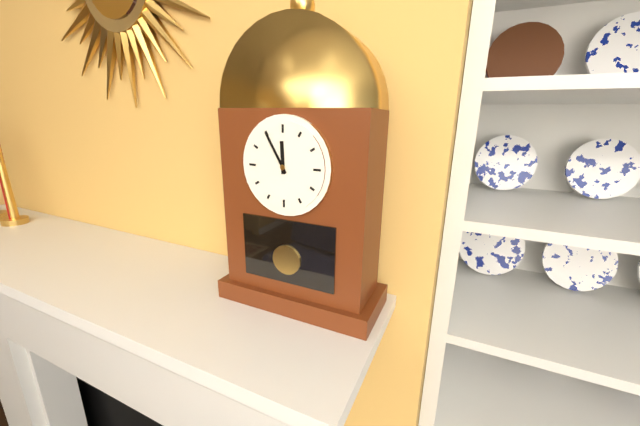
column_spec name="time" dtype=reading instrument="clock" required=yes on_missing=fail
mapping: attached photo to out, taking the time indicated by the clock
11:55
